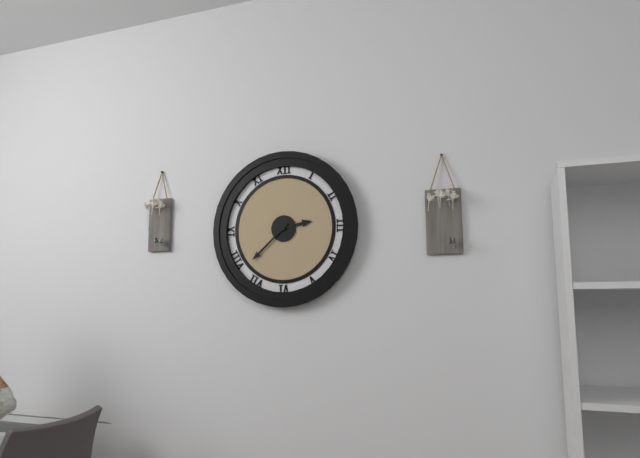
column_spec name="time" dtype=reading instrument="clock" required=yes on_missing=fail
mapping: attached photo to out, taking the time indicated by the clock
2:38
